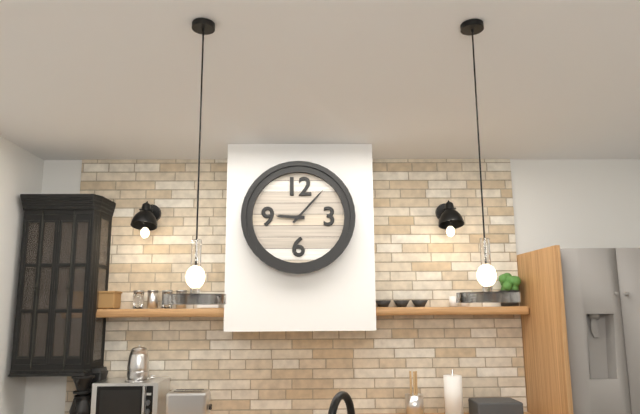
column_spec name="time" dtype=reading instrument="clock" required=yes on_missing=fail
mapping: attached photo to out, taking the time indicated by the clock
9:07
